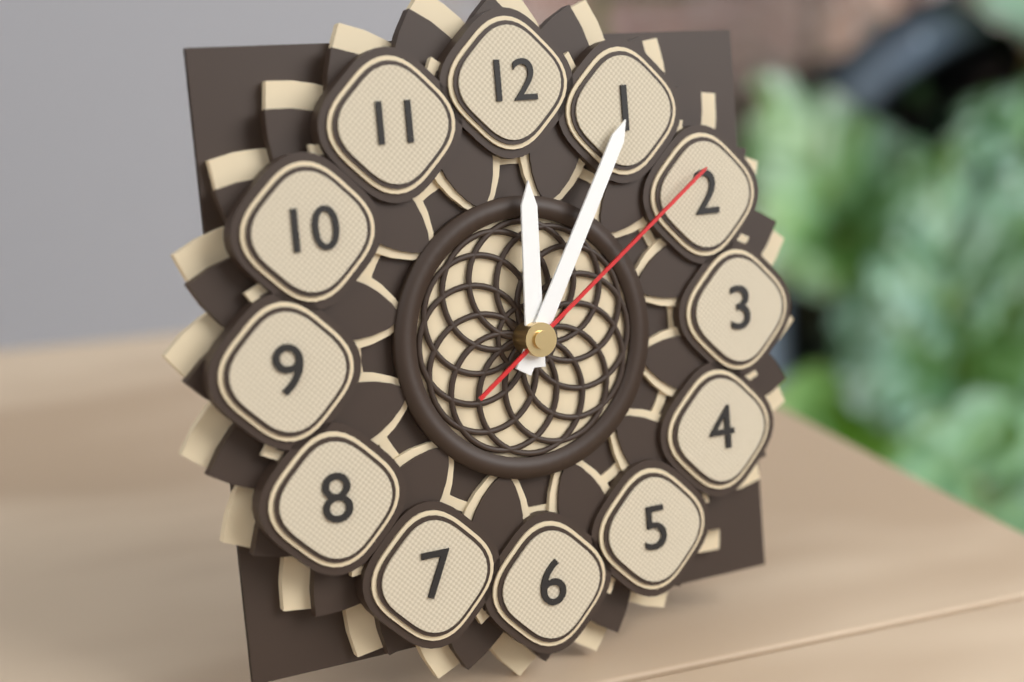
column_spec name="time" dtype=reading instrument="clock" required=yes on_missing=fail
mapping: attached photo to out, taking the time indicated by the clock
12:05:09
